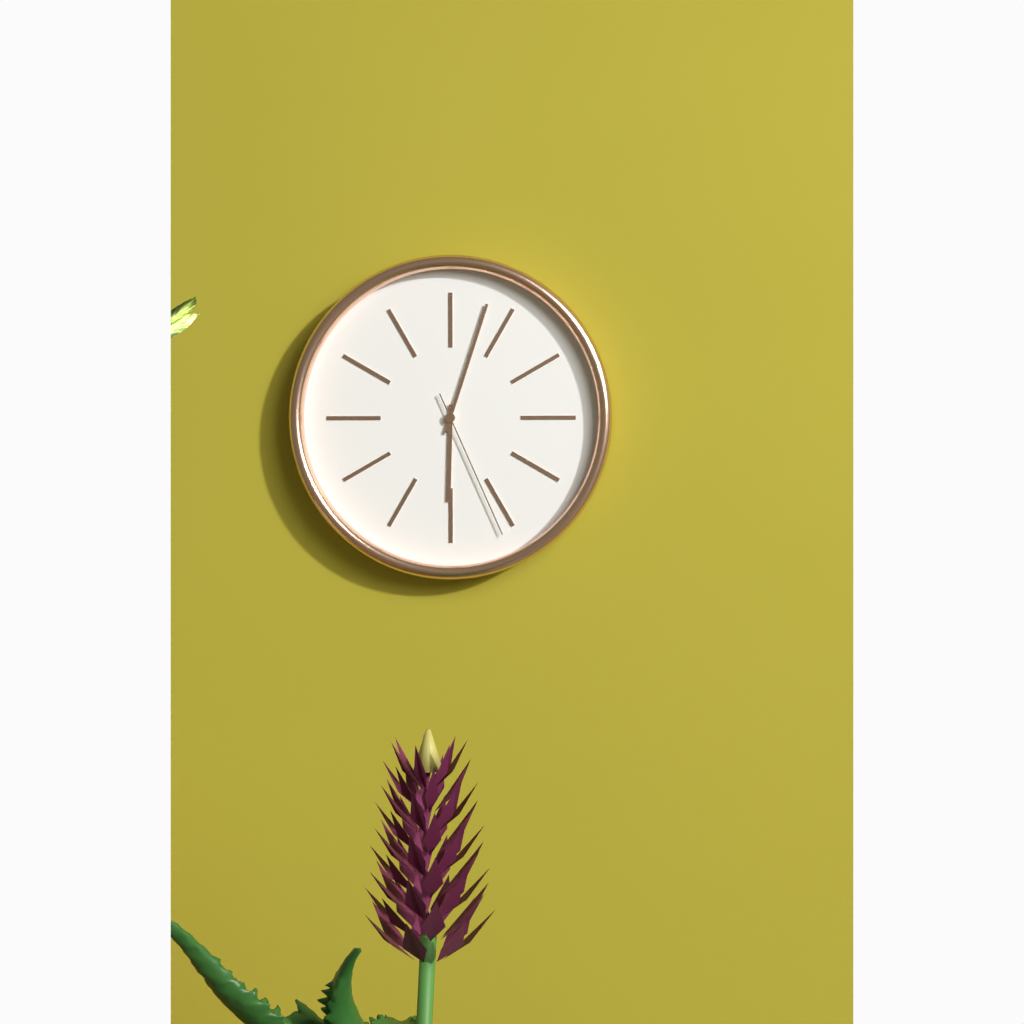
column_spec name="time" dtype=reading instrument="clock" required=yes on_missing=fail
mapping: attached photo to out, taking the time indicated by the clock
6:03:26
